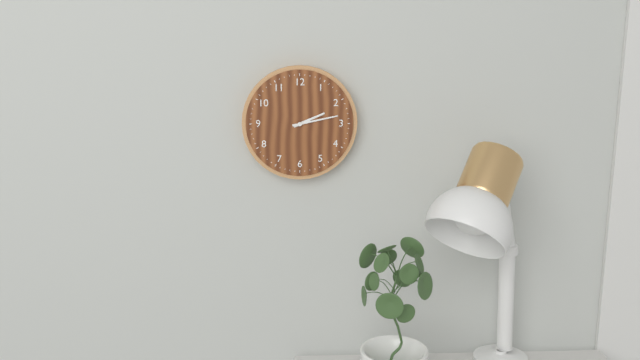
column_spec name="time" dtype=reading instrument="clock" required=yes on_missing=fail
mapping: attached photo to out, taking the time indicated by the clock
2:13
